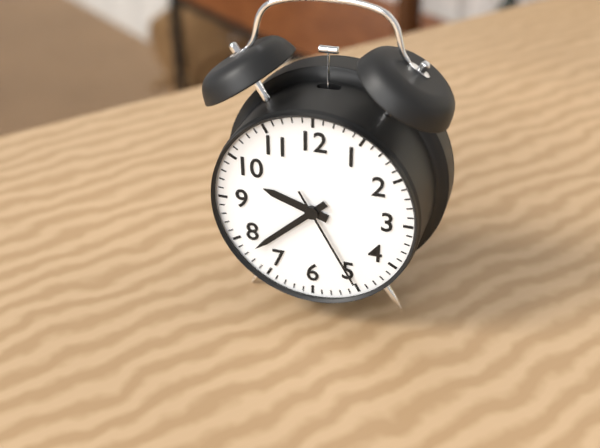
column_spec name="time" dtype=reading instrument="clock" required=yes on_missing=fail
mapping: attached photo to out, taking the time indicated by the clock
9:38:25
